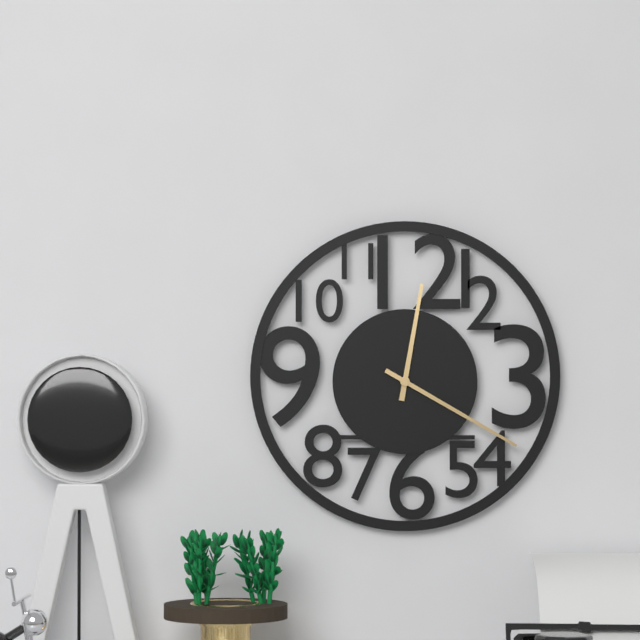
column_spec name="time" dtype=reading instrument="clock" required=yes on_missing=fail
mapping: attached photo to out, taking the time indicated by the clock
12:20
